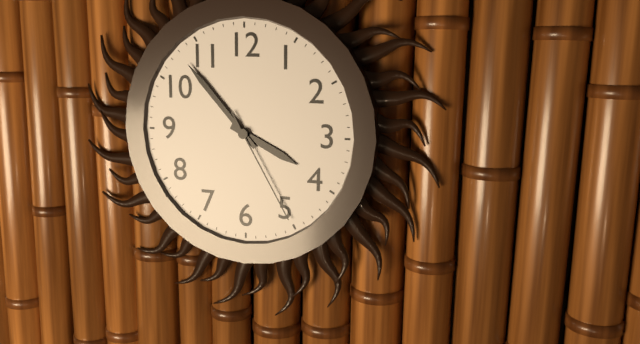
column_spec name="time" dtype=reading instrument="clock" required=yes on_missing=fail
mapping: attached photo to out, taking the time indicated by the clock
3:53:25
